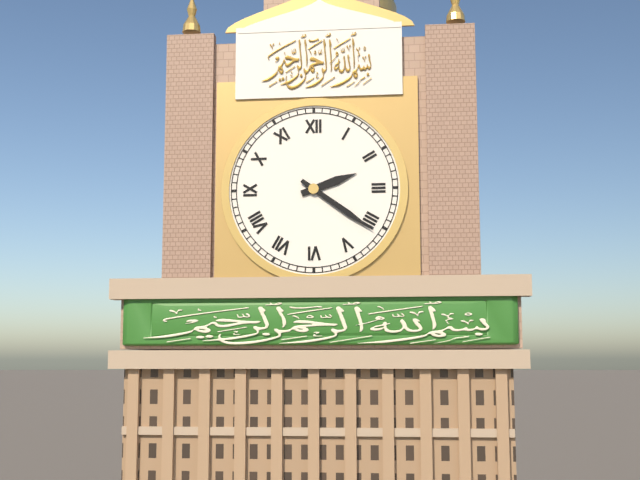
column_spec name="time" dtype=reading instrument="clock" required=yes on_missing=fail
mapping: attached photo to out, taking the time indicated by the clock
2:21
